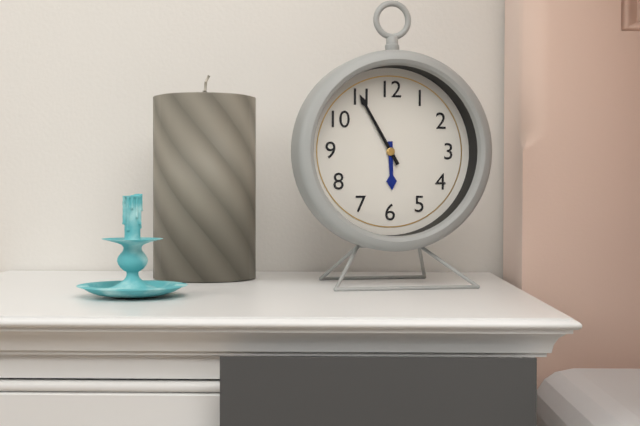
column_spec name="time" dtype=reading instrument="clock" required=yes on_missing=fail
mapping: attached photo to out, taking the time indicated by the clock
5:55
